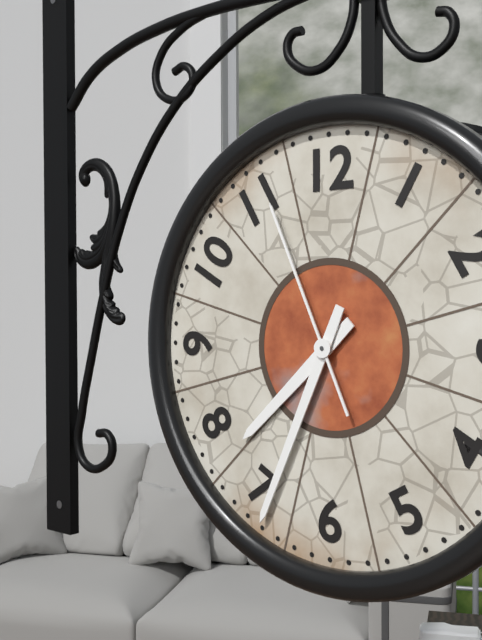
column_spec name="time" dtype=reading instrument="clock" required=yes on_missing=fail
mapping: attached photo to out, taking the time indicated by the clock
7:34:56
